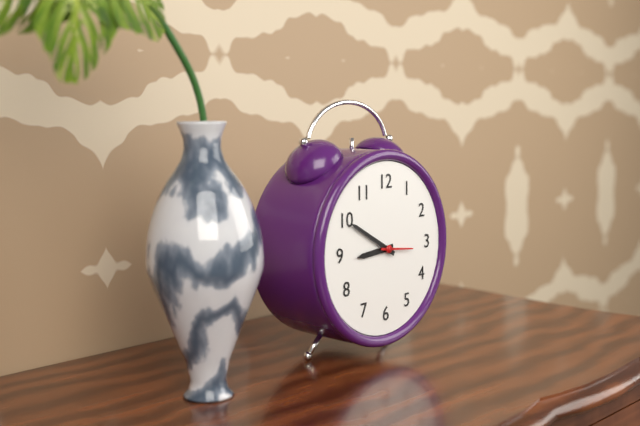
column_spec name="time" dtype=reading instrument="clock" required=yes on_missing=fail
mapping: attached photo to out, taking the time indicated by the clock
8:50
